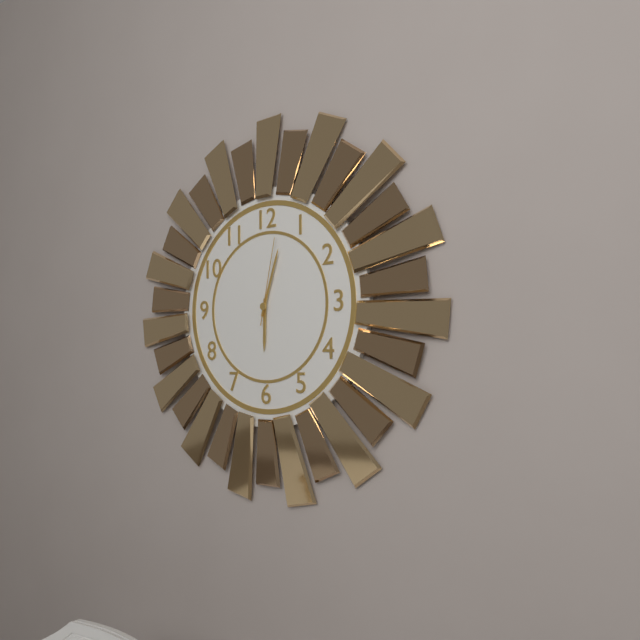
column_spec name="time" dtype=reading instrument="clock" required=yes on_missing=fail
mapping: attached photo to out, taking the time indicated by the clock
6:03:02
